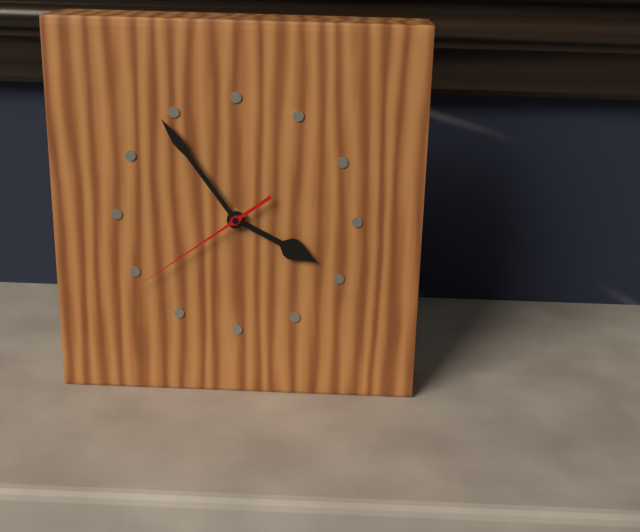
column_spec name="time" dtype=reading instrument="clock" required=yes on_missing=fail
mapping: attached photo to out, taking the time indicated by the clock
3:54:39
